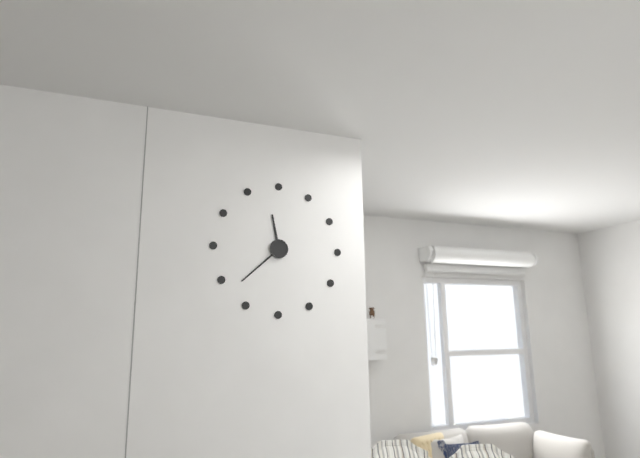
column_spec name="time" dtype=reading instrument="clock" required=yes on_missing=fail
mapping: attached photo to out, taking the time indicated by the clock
11:38
